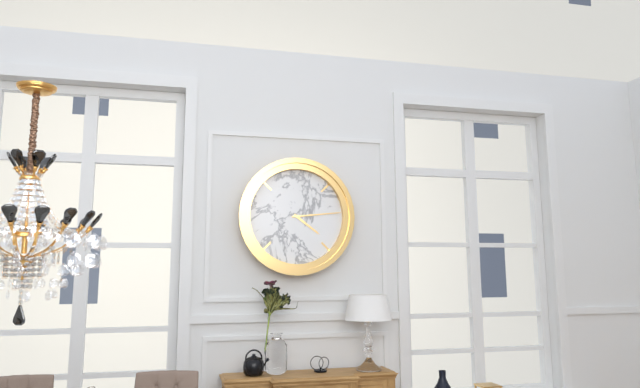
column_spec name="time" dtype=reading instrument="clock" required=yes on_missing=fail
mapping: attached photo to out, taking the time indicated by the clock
4:14
